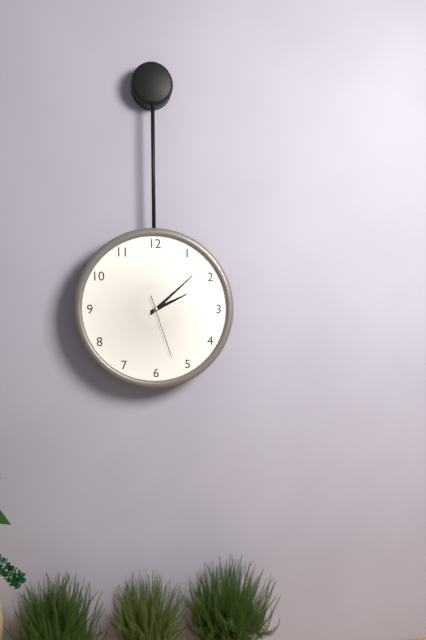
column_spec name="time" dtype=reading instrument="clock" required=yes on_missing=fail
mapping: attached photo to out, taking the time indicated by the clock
2:08:27
